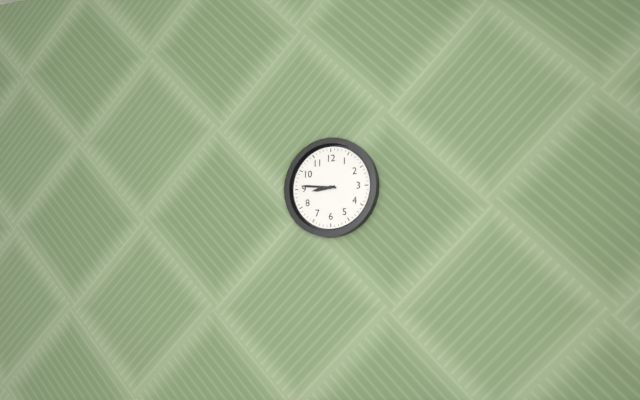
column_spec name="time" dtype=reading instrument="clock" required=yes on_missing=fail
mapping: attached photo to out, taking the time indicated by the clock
8:46
